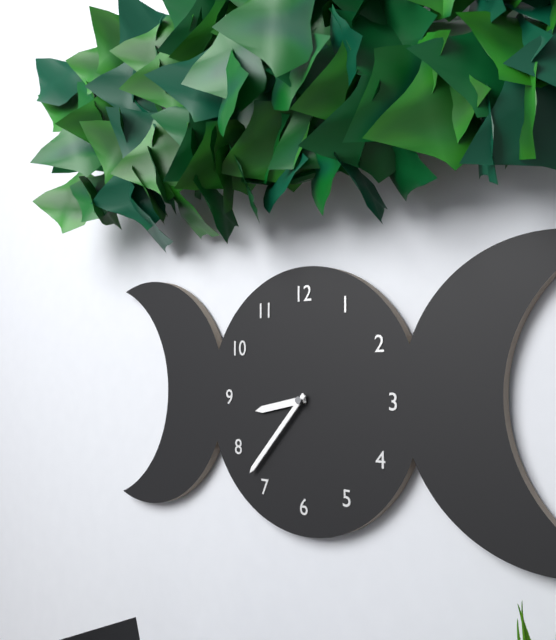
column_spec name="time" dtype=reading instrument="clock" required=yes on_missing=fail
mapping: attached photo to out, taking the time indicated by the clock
8:37
